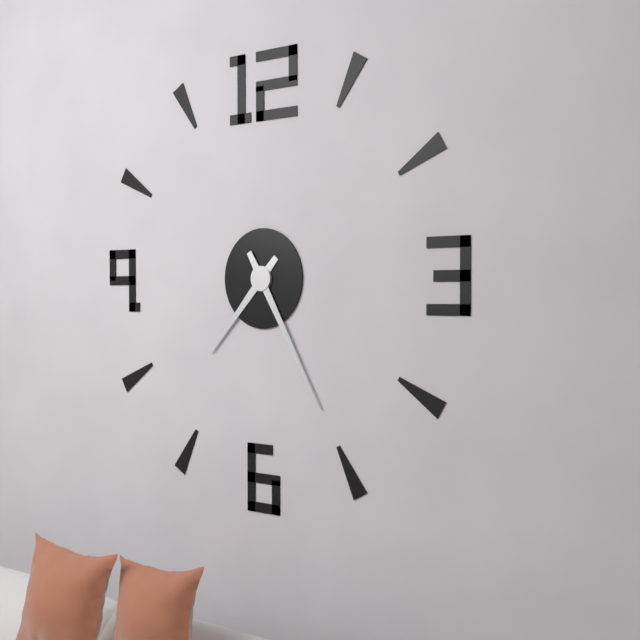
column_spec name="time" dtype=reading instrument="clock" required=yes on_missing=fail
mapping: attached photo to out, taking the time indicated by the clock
7:25
